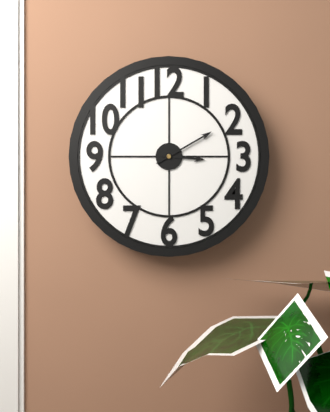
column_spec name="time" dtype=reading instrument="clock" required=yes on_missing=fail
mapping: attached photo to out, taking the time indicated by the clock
3:10
